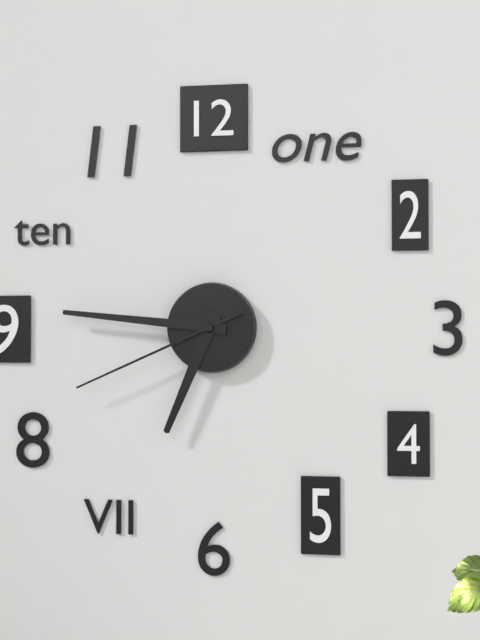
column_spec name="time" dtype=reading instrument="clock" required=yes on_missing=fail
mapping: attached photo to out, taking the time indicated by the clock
6:46:41
